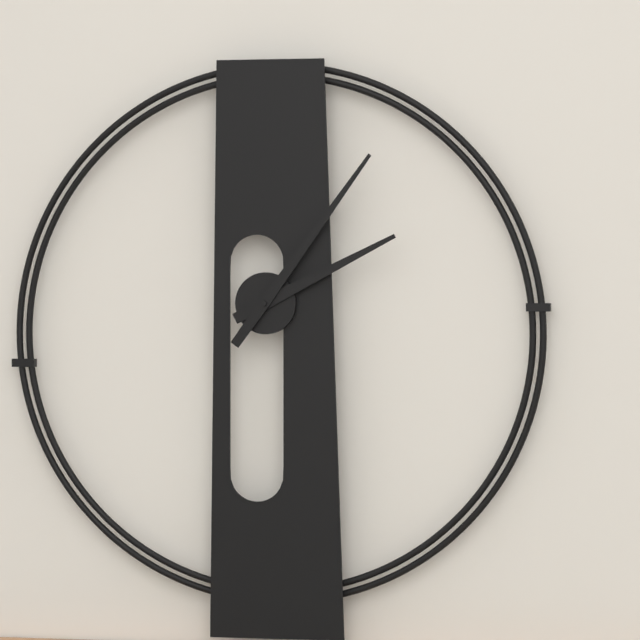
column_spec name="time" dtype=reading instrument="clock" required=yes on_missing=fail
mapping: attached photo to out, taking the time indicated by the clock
2:06
